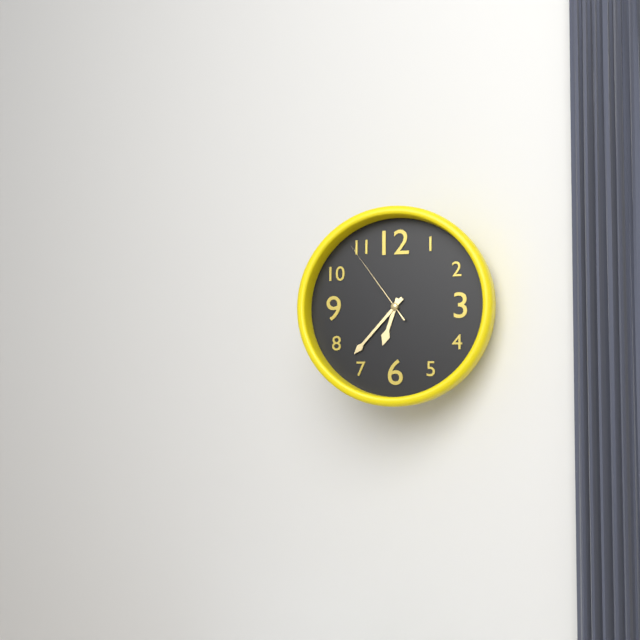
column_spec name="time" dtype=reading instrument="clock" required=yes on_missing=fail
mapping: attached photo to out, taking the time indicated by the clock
6:37:54
